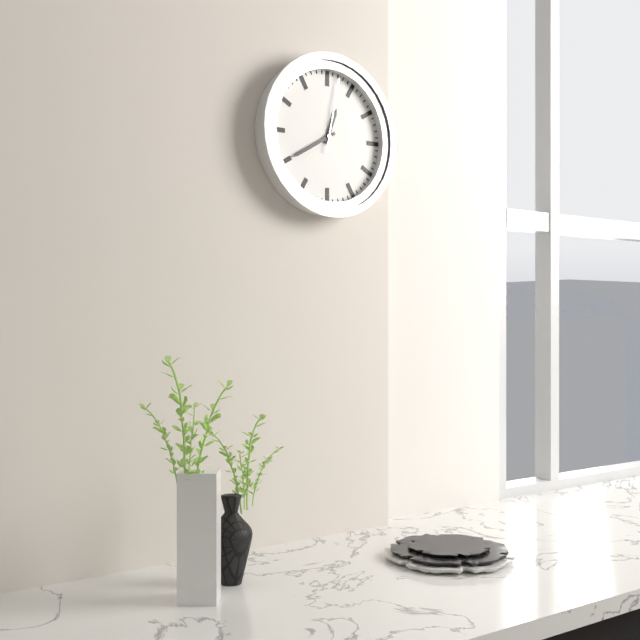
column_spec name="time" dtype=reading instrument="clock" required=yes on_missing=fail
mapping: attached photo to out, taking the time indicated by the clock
12:40:02
